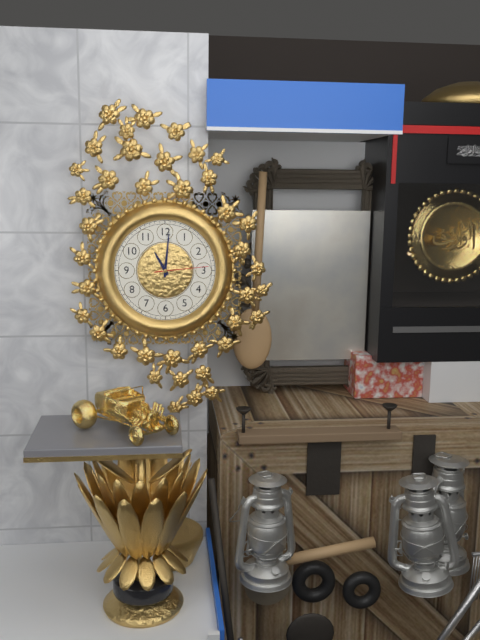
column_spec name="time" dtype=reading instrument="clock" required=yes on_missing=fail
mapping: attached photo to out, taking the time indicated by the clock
11:01:14
